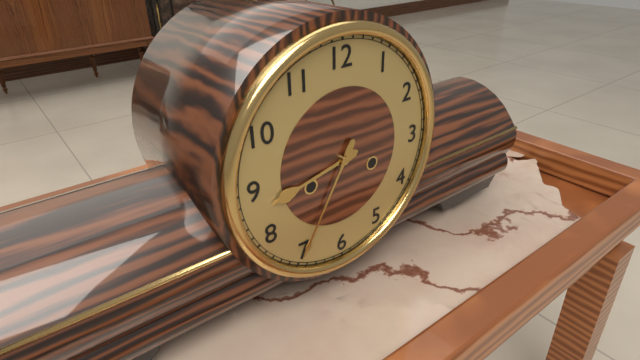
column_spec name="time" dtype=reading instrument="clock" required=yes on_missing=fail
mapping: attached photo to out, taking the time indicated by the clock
8:35
